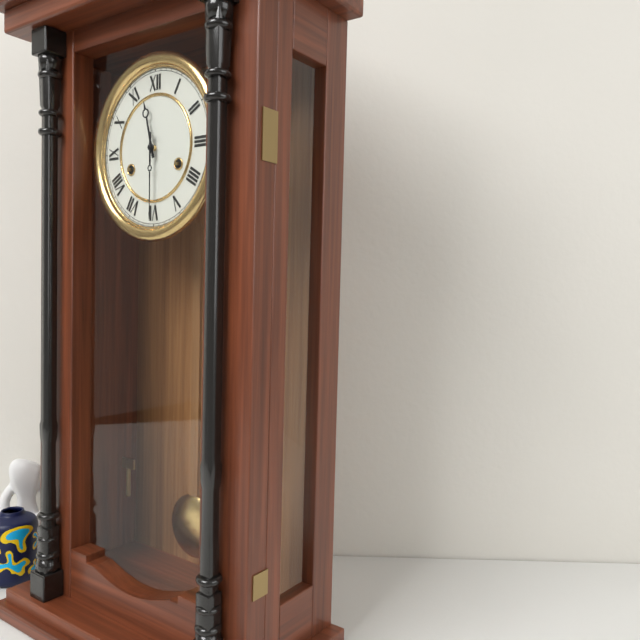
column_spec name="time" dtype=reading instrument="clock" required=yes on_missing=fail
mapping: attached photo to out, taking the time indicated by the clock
11:30
